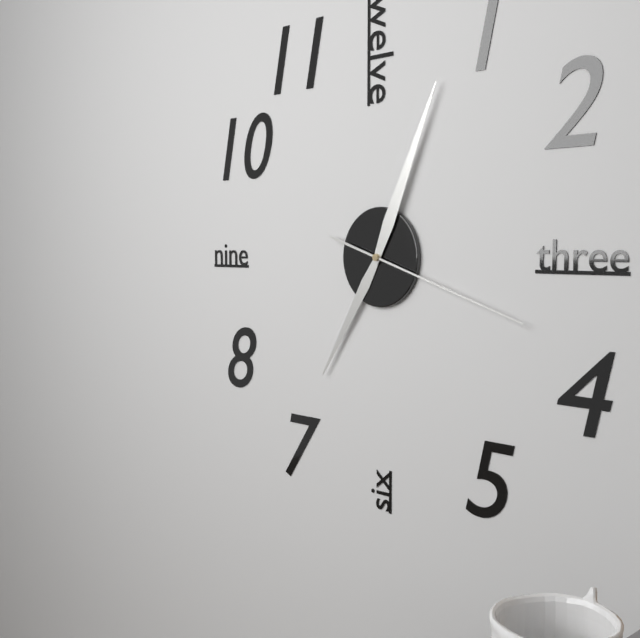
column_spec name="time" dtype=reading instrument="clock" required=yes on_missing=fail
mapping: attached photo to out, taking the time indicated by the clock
7:04:18
